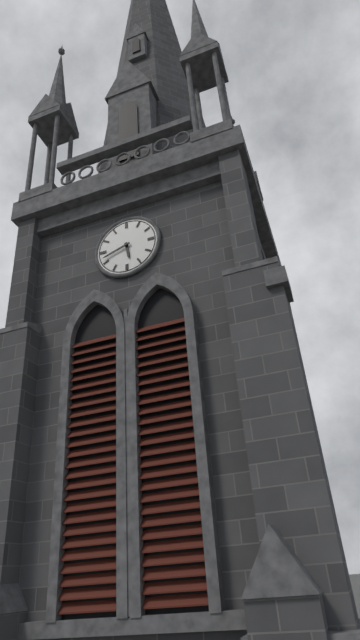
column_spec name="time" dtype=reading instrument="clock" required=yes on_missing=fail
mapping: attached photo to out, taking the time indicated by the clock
5:42
